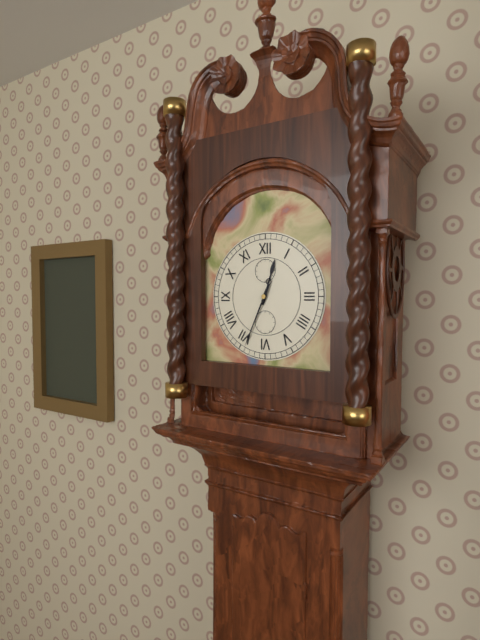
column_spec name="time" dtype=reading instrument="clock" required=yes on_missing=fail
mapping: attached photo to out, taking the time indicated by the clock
12:34
